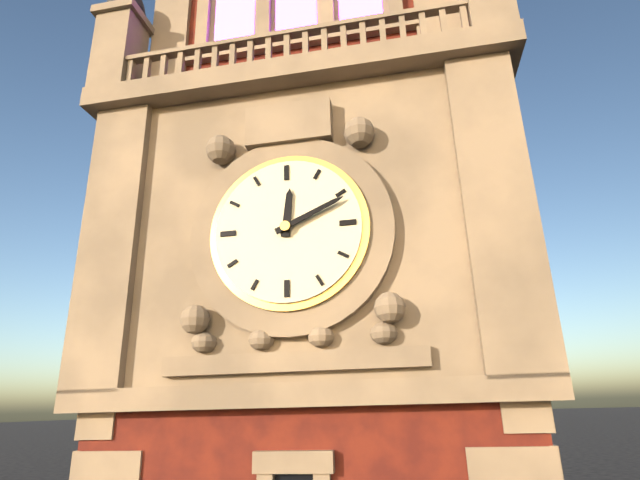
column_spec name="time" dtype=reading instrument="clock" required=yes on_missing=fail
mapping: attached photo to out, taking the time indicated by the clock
12:11
